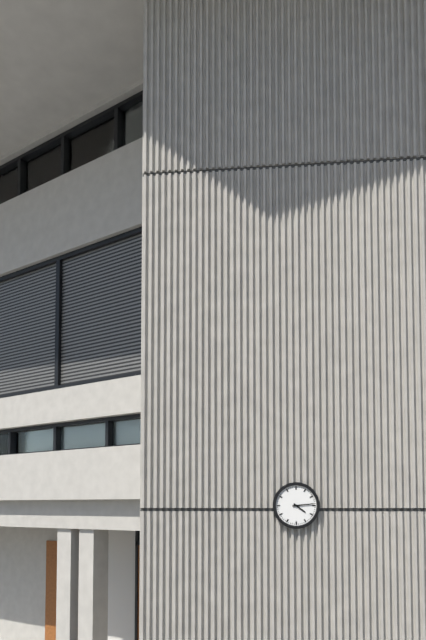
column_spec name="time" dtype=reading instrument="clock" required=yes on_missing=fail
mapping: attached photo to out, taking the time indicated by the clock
4:14
